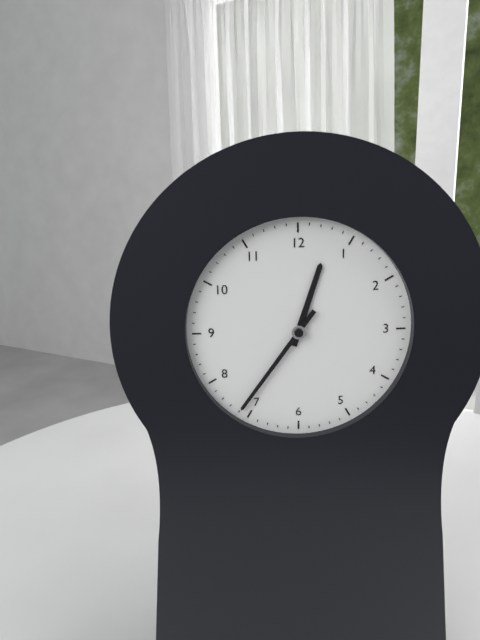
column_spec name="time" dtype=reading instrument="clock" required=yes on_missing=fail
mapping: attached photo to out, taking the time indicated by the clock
12:36
